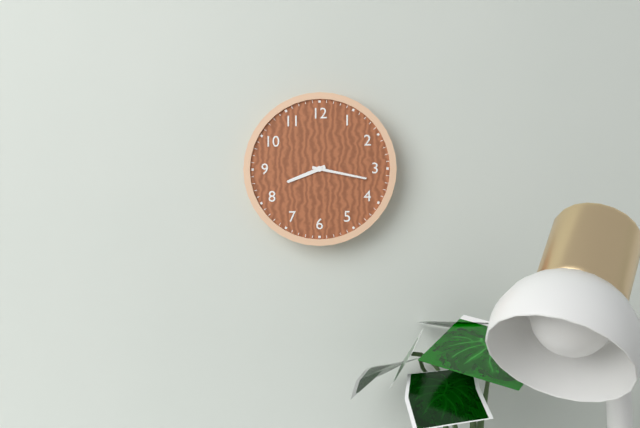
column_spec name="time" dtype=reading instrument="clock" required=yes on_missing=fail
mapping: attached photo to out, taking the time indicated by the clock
8:17
